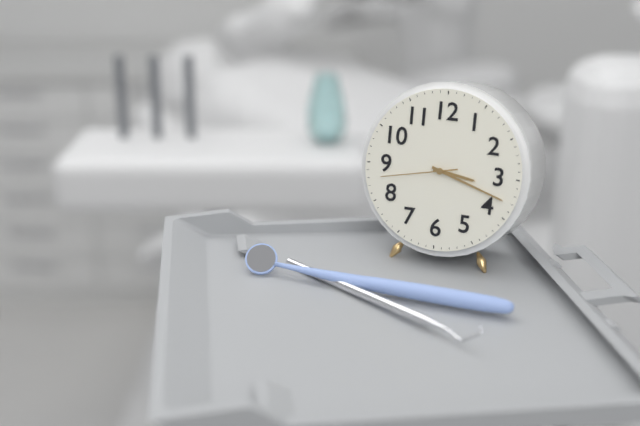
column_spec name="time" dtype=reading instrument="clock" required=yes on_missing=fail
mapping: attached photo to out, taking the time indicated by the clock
3:18:43
